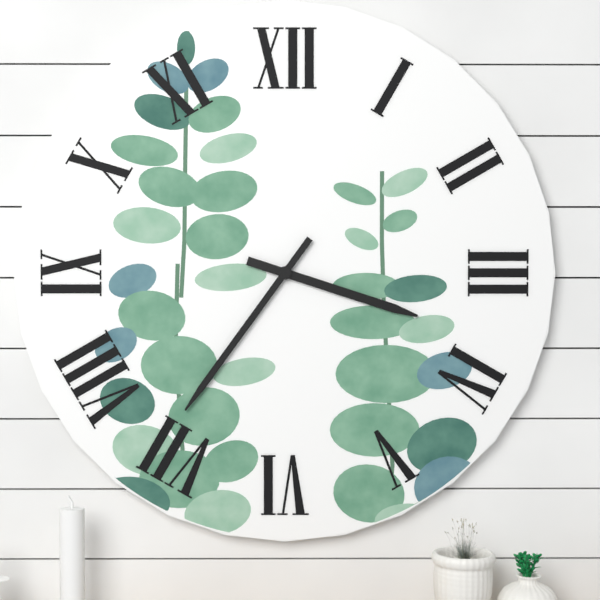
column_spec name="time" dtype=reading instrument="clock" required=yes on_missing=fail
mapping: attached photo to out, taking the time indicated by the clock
3:36
